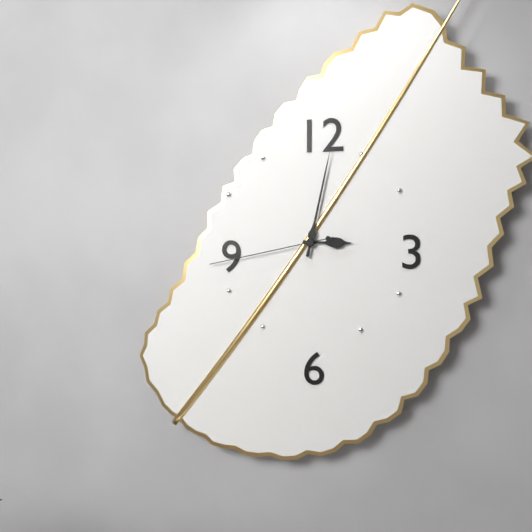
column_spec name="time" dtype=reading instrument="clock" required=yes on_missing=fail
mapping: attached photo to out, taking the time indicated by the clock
3:02:43
